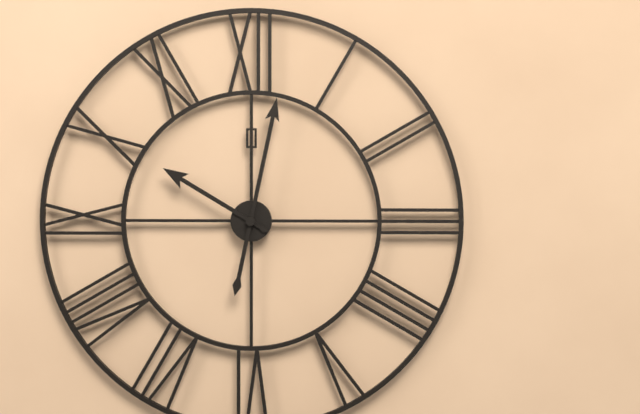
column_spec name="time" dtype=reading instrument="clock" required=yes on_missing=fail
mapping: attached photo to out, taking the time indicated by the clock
10:02
